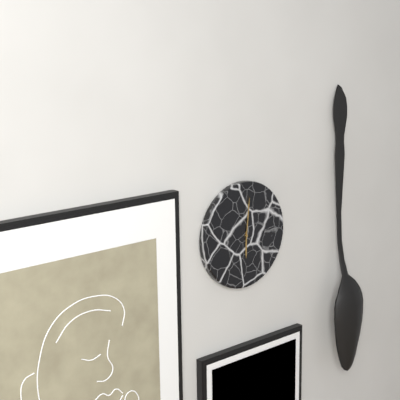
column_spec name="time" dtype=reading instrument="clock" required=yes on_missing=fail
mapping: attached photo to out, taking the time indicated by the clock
6:01
